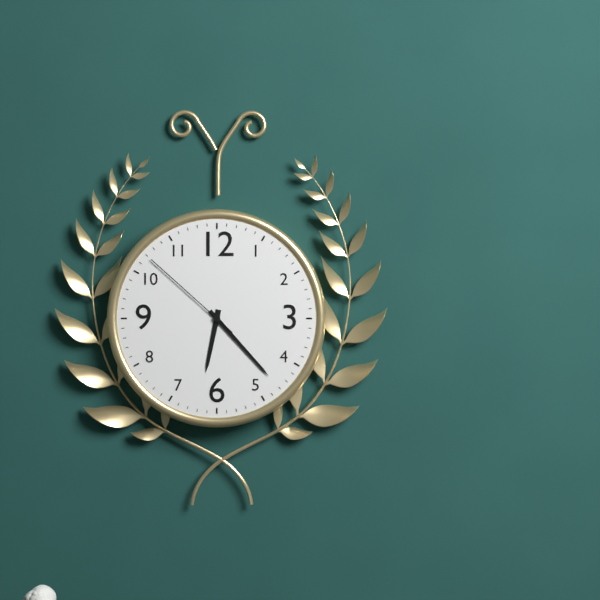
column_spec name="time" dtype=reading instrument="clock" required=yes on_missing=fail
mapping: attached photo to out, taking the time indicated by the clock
6:23:52
